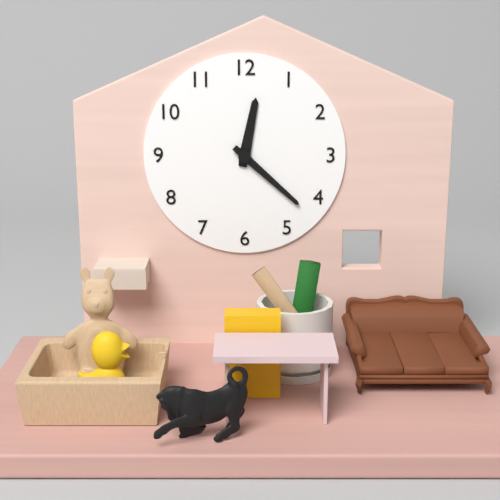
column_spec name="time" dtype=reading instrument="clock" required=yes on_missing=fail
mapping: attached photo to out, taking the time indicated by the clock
12:22
